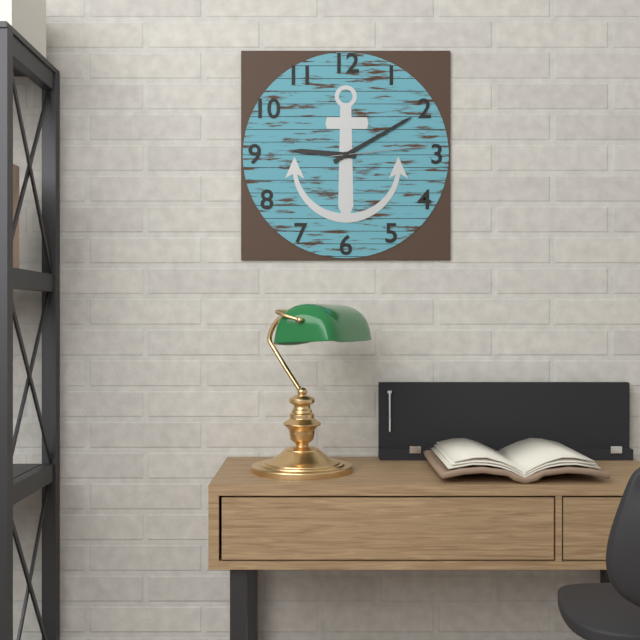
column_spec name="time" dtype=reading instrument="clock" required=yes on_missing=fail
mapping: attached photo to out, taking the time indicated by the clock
9:10:14
